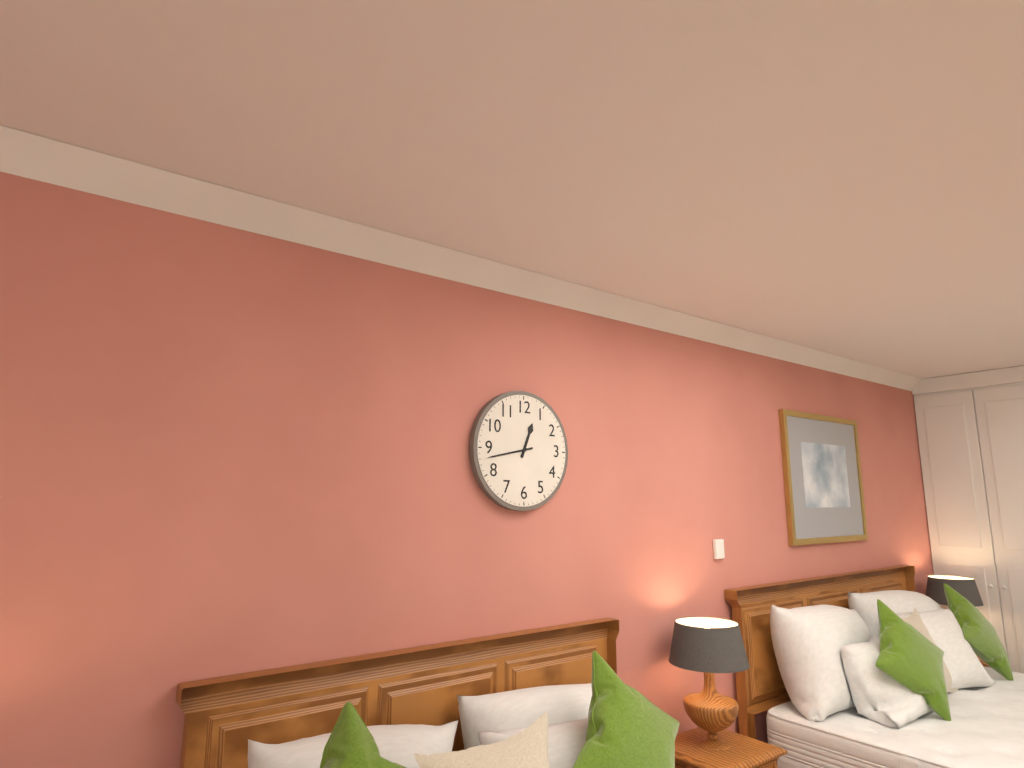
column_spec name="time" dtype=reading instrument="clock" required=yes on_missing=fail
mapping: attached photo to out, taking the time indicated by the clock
12:43
